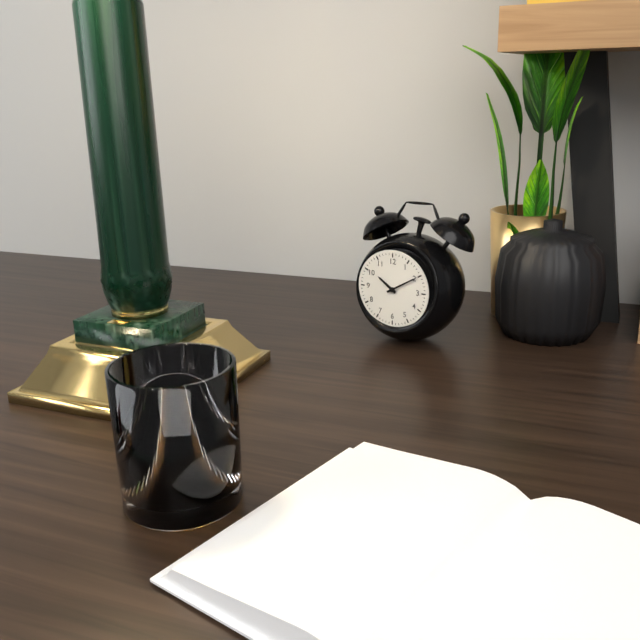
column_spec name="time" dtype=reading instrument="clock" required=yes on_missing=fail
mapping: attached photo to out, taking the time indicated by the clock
10:10
